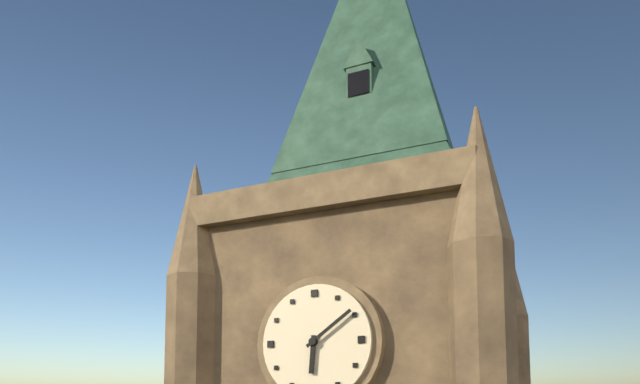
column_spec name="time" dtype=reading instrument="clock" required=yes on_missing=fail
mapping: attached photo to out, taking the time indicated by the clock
6:09
